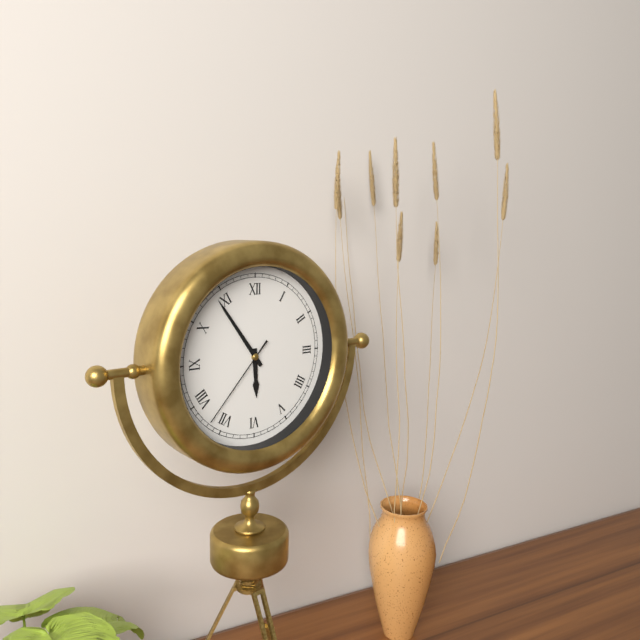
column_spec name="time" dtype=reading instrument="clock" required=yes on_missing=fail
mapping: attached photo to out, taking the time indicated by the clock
5:54:37
